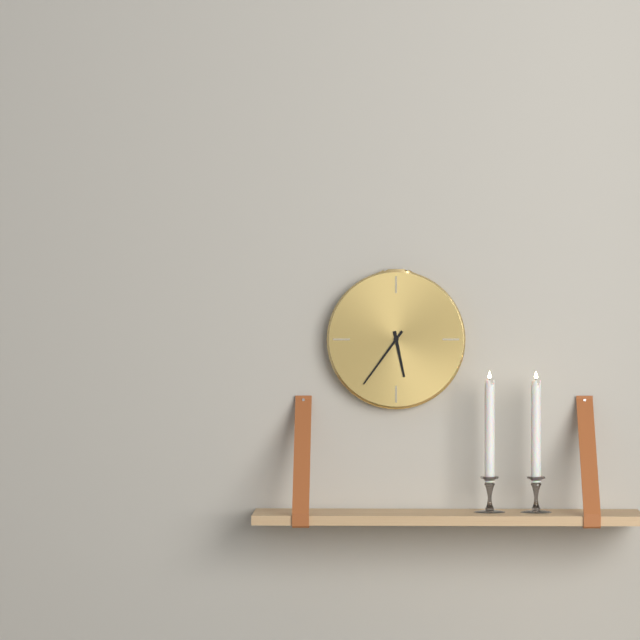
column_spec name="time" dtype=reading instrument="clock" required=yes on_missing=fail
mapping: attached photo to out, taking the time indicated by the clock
5:36
